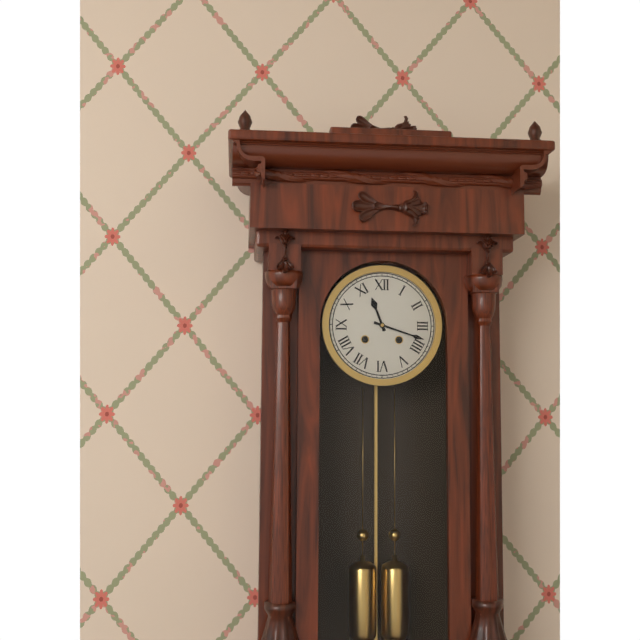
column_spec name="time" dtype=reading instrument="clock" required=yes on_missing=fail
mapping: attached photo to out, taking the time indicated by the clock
11:18
